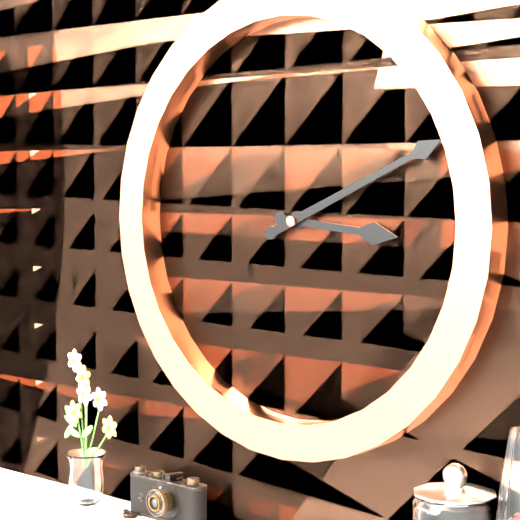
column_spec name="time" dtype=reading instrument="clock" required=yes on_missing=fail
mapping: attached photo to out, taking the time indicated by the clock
3:11
